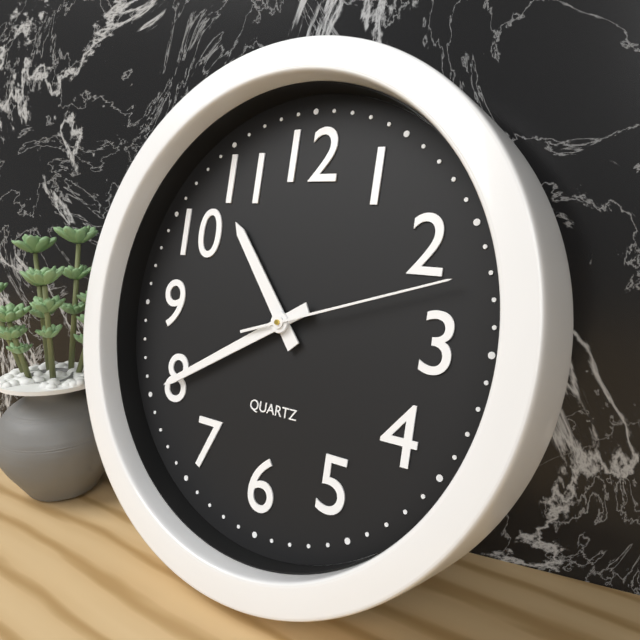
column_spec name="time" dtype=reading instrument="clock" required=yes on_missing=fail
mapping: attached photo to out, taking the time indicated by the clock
10:40:12
